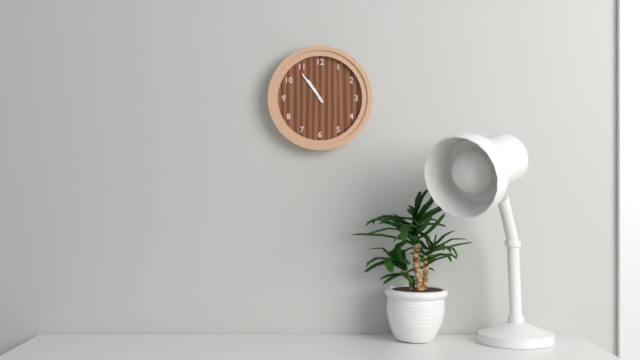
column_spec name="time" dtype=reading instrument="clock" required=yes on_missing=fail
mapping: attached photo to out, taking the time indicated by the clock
10:54
